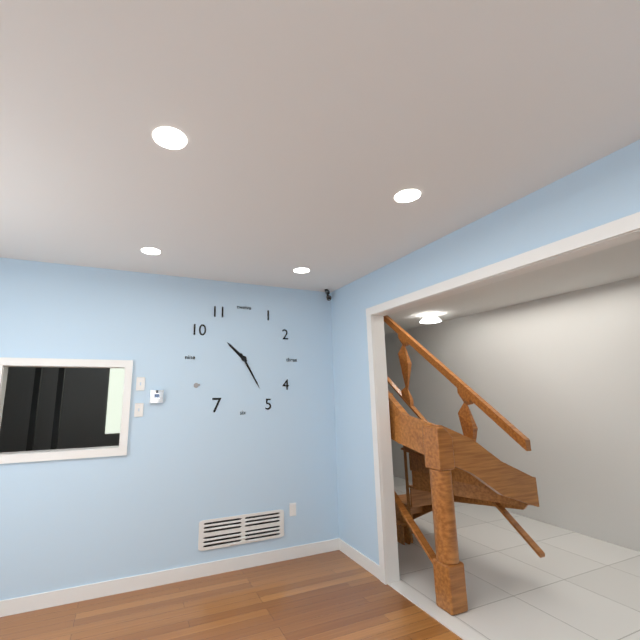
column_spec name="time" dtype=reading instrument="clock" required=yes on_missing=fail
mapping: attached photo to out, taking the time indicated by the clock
10:25
